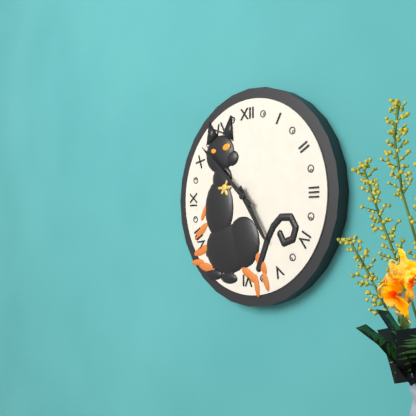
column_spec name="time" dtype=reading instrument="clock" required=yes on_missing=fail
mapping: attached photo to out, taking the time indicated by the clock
4:52
